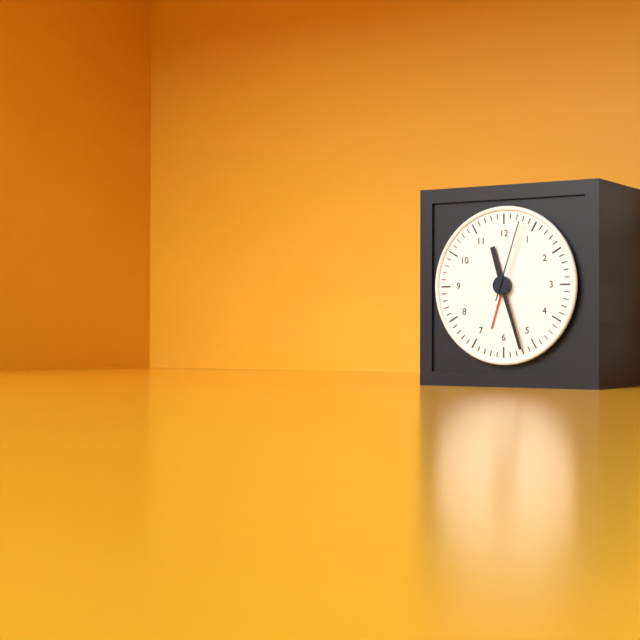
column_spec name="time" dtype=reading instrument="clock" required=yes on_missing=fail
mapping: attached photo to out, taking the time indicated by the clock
11:27:03
